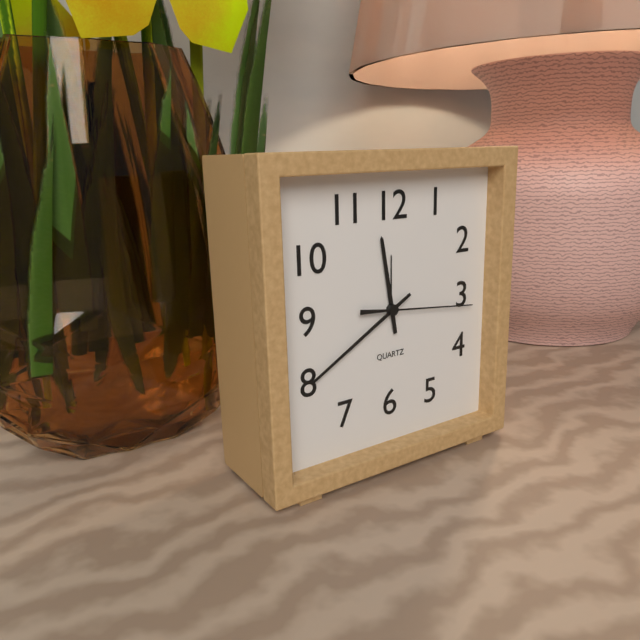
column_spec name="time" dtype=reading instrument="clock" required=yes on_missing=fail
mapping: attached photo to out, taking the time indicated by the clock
11:40:16
